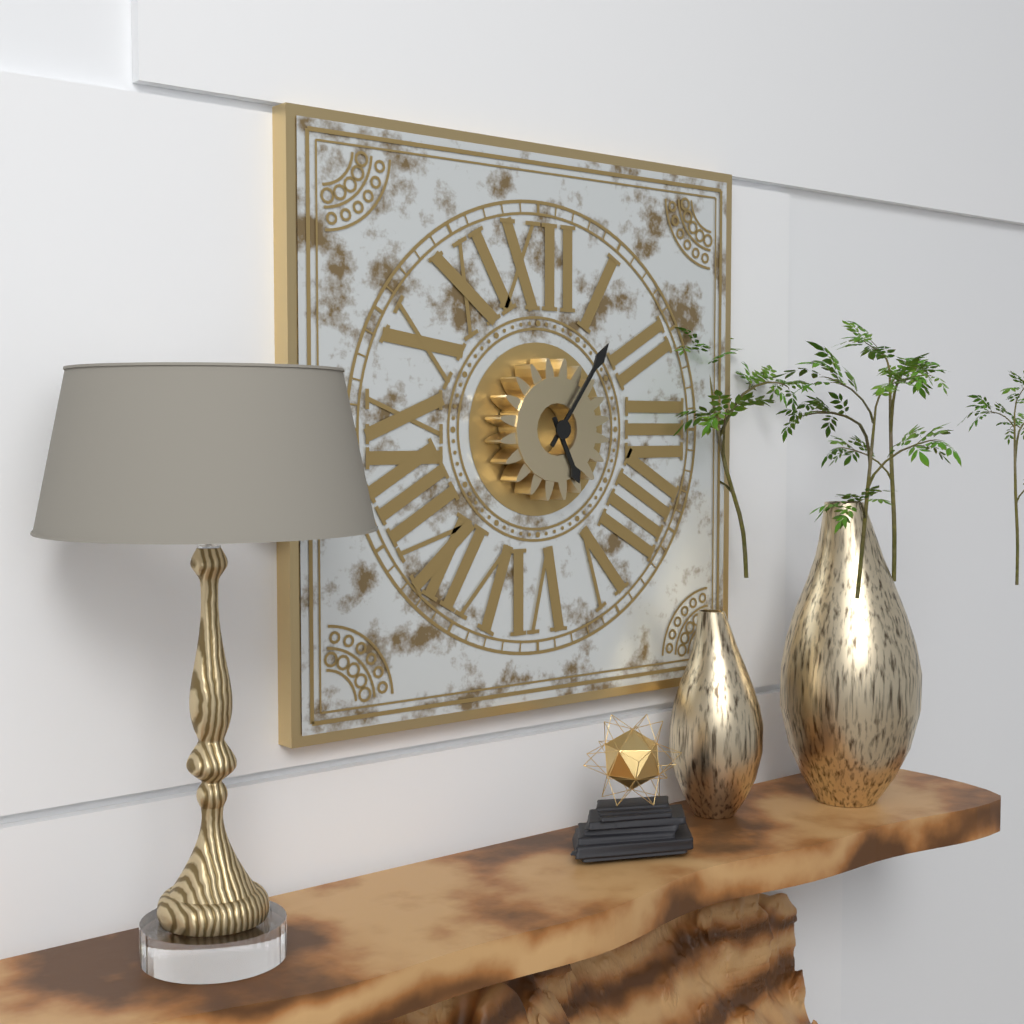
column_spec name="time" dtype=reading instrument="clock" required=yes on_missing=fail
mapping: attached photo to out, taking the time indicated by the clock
5:06
